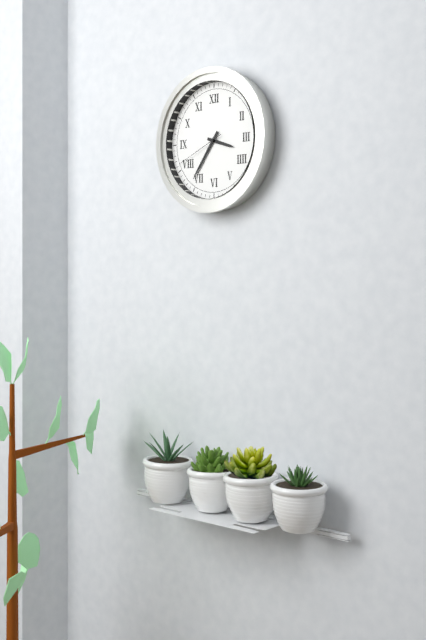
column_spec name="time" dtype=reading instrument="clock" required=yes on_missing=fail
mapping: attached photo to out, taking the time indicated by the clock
3:36:41
